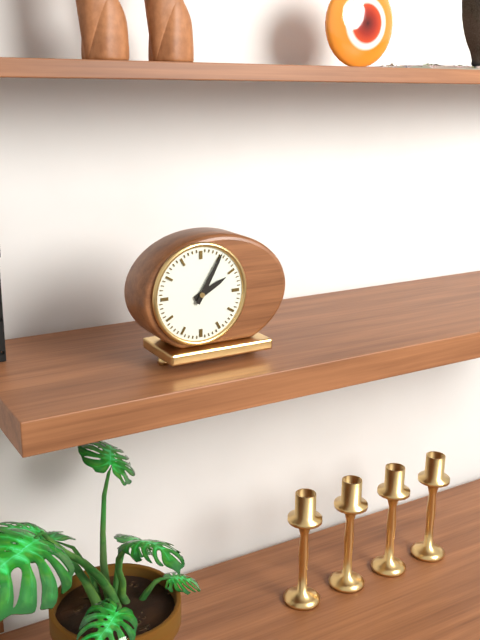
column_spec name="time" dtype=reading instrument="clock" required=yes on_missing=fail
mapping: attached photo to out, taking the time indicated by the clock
2:05
